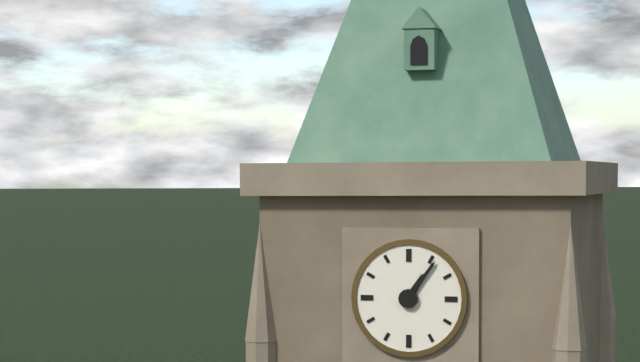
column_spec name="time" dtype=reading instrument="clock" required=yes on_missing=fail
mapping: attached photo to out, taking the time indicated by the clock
1:06
